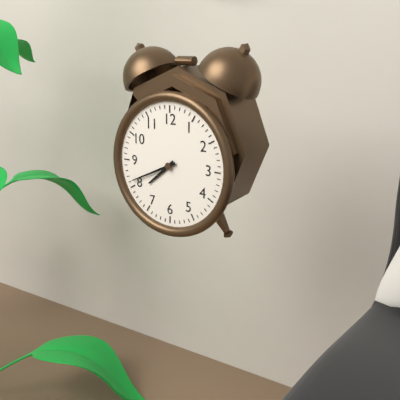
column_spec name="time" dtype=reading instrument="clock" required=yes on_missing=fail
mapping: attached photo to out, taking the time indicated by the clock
7:41
